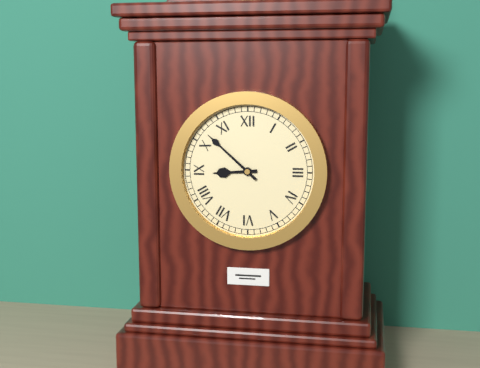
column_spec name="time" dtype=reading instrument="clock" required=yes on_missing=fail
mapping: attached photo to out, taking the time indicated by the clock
8:52
